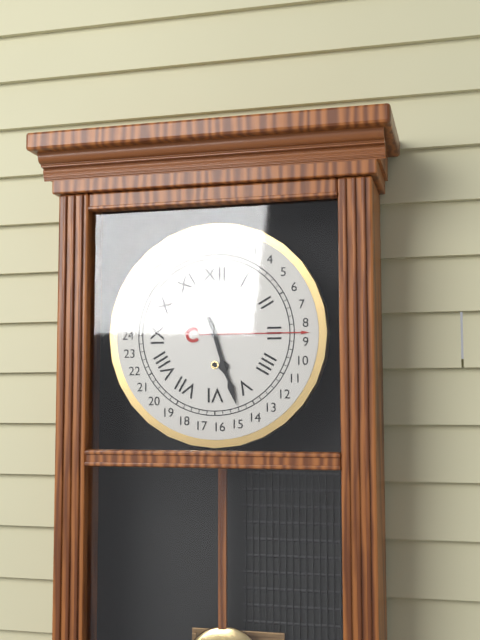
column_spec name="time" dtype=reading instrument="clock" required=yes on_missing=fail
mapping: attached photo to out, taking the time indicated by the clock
5:27
